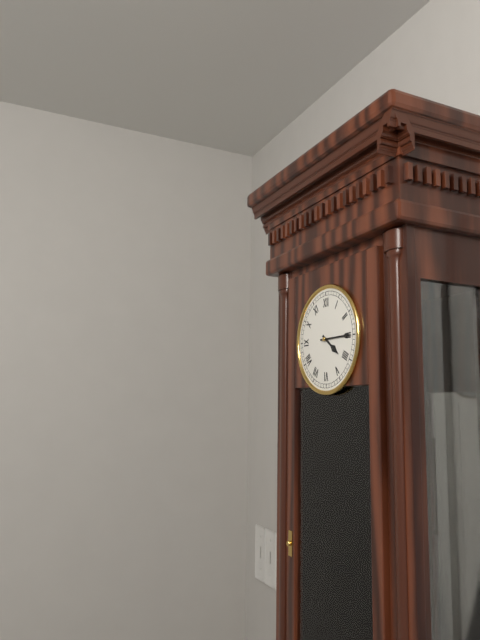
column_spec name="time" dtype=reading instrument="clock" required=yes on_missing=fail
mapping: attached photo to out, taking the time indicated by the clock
4:15
